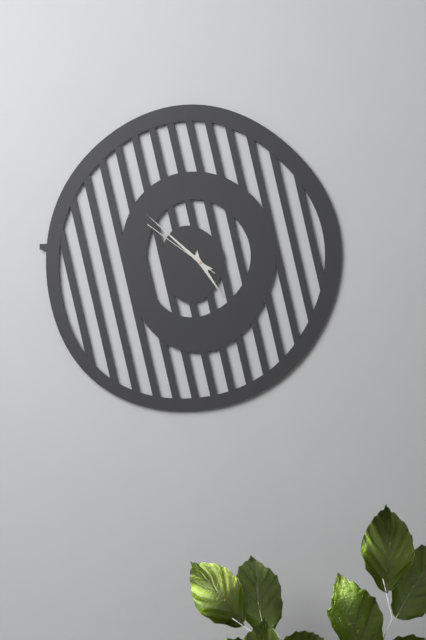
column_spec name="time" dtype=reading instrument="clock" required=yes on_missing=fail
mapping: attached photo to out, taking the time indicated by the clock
4:52:51
